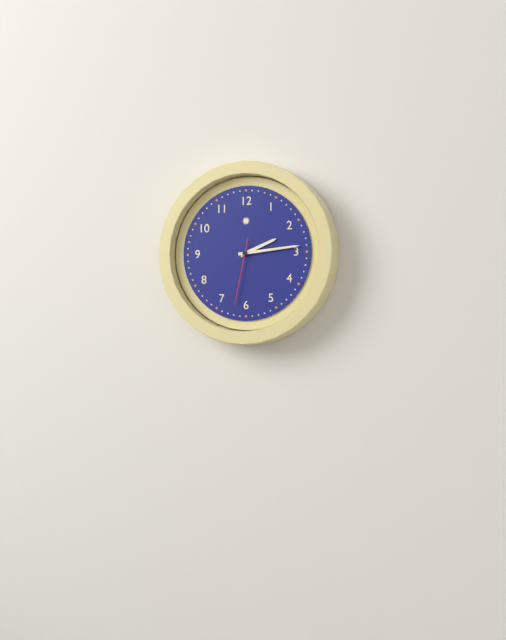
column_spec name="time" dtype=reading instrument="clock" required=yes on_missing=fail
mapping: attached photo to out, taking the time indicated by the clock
2:14:32
